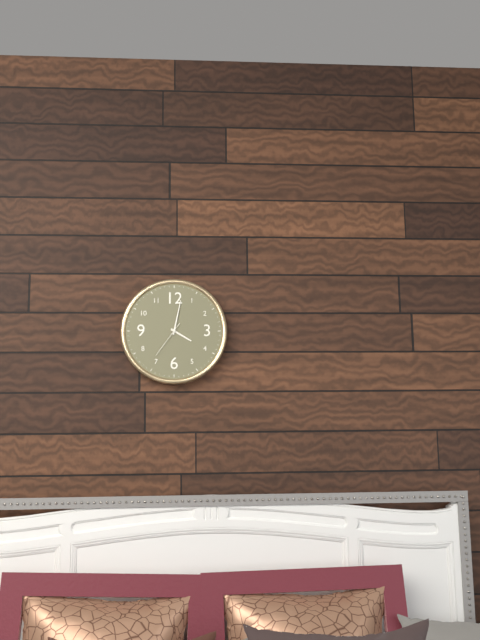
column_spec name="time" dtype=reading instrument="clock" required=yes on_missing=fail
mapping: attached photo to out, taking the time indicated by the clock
4:02
